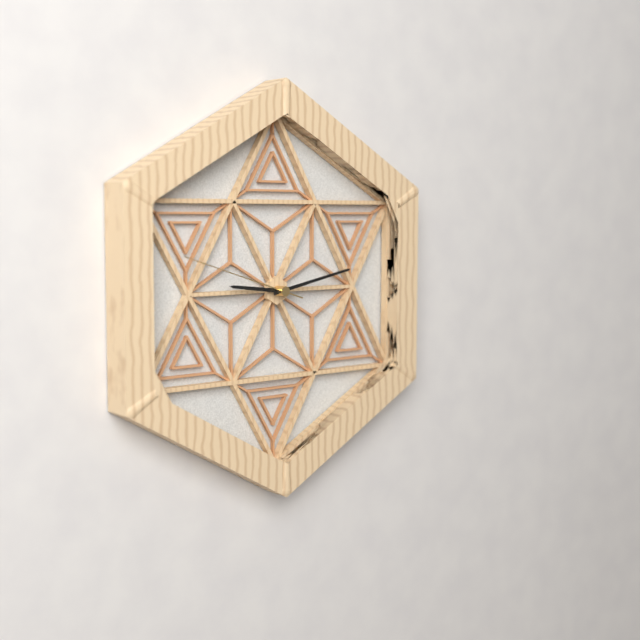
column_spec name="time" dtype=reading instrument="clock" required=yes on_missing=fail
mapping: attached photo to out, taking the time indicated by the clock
9:13:48
